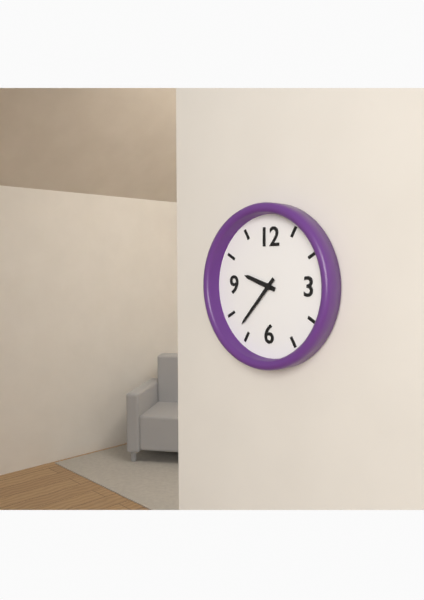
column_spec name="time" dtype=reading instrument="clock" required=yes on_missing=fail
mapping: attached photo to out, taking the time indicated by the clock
9:37
